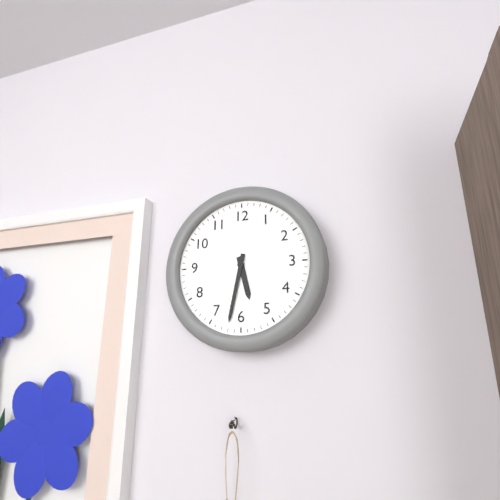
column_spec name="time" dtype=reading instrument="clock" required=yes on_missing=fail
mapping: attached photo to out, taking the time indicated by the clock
5:32
